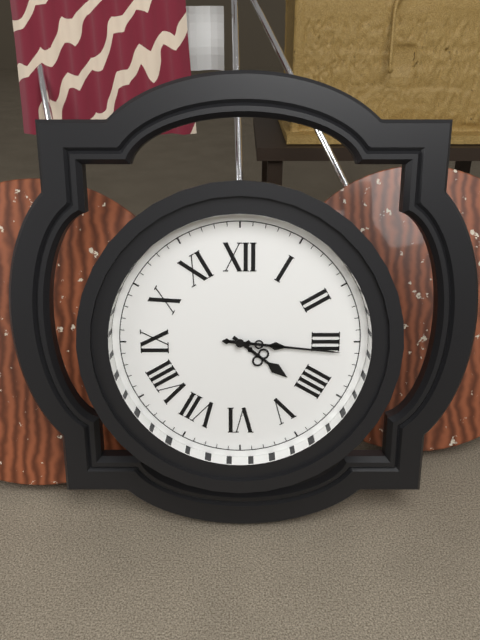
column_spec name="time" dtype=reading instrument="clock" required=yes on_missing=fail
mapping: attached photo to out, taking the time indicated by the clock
4:16
